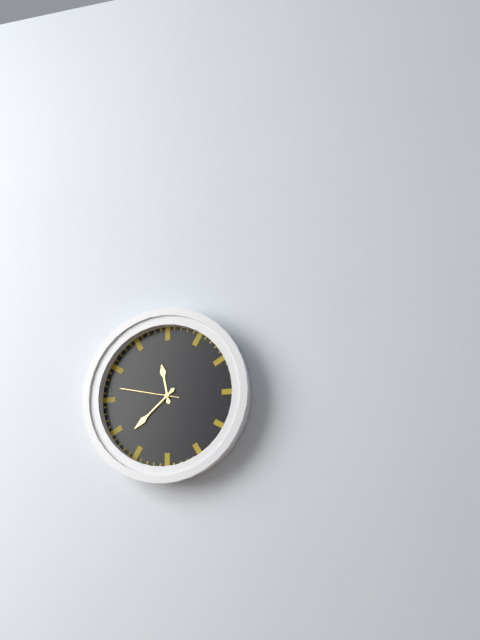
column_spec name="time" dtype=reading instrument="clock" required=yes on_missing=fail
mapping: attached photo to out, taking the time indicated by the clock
11:38:47
